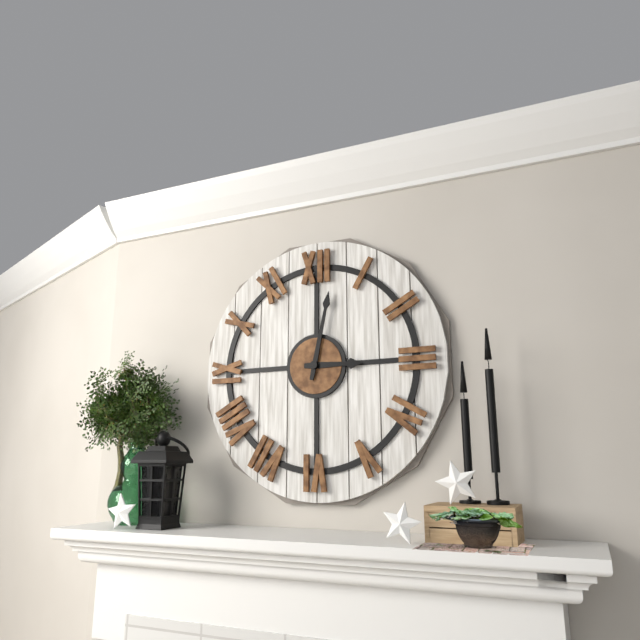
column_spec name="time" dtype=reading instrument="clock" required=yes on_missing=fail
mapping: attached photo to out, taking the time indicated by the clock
3:02
